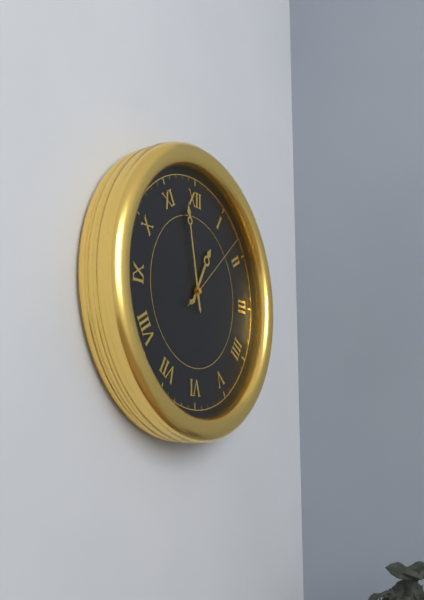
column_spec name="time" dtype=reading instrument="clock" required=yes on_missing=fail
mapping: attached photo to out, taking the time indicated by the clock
12:58:08
